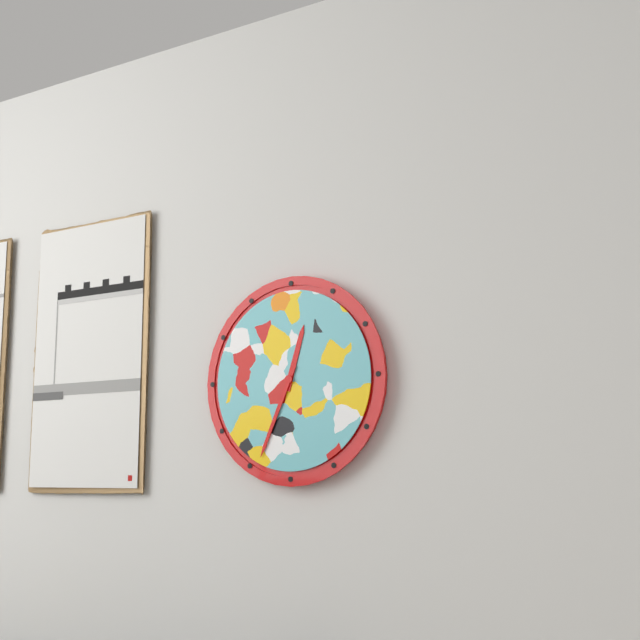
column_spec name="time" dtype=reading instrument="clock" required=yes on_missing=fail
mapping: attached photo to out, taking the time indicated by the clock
12:34
